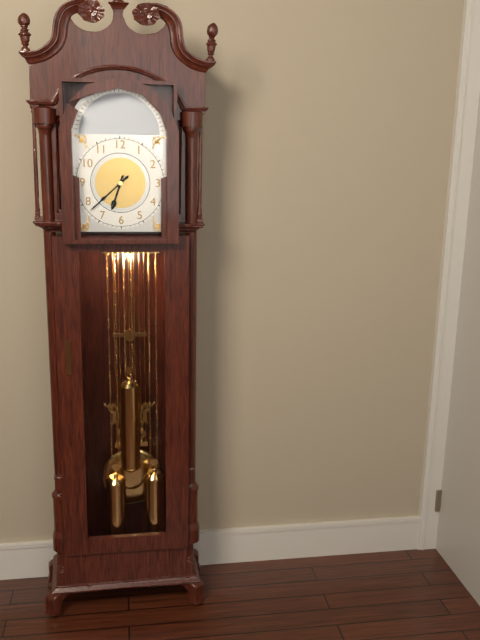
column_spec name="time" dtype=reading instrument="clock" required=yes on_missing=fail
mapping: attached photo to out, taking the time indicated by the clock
6:38
